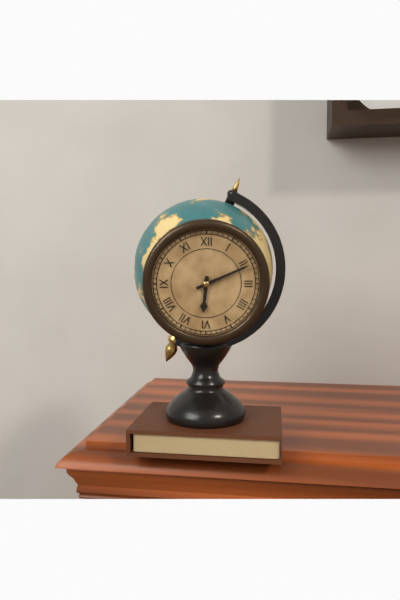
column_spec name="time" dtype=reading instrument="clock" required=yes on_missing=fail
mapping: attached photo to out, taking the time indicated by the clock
6:11
